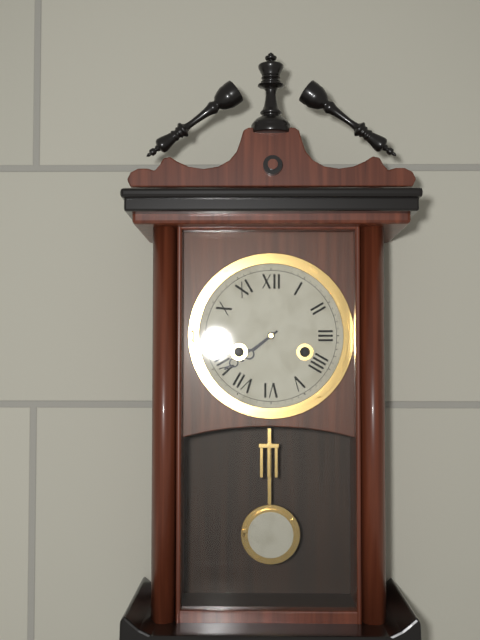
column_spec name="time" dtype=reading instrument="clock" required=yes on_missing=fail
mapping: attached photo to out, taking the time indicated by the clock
7:39
